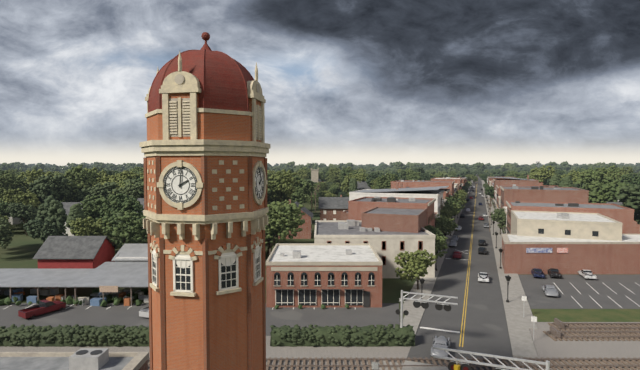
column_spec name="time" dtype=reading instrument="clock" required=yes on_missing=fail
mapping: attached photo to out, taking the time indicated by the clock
2:01
